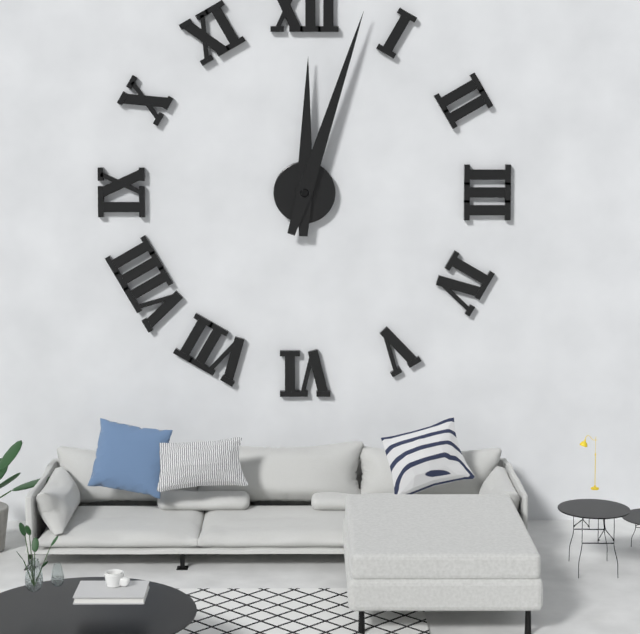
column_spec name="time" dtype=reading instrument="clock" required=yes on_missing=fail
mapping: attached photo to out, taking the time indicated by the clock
12:03
